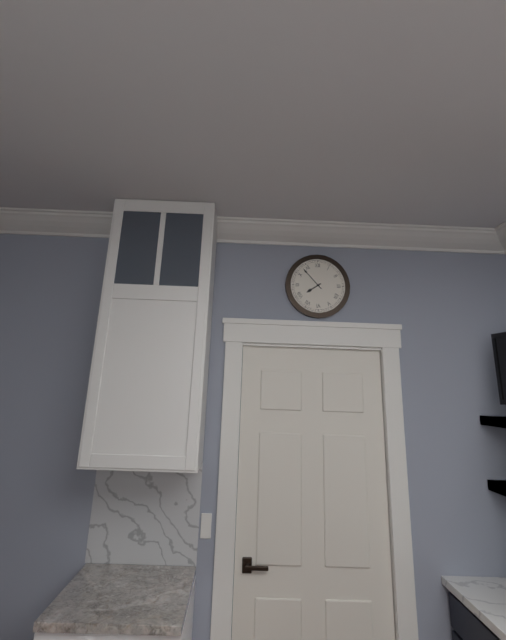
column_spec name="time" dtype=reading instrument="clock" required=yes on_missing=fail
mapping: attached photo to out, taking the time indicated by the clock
7:53
